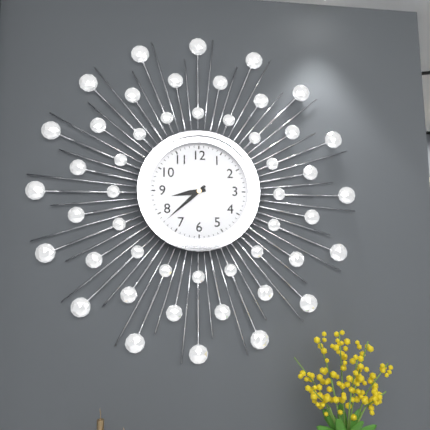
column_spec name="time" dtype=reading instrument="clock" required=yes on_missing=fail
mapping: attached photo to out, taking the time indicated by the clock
8:38
